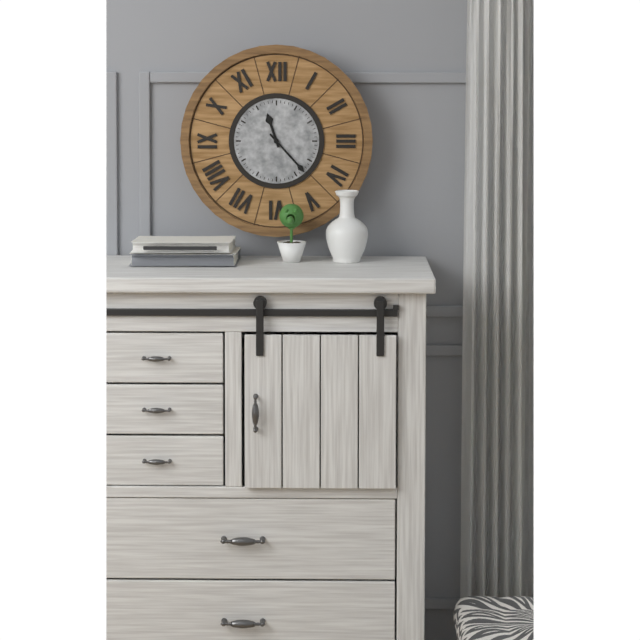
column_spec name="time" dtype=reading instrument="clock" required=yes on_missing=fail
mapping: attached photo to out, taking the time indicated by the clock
11:23
